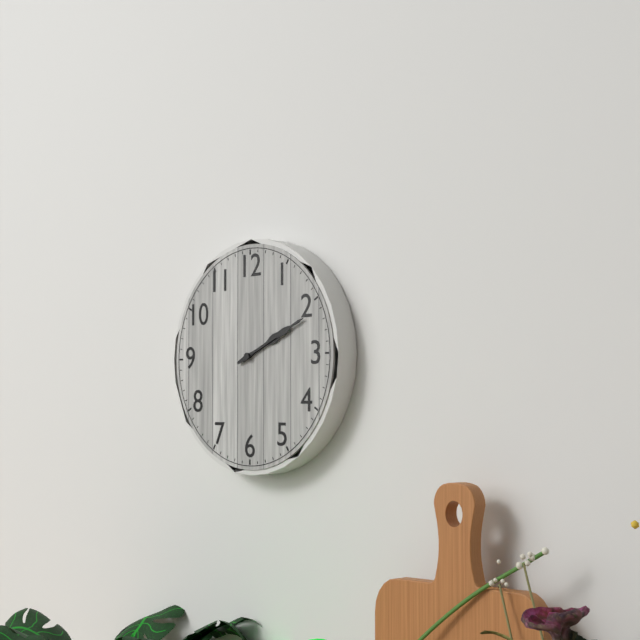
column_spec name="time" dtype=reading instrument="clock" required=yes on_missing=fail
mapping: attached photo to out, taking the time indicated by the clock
2:11
